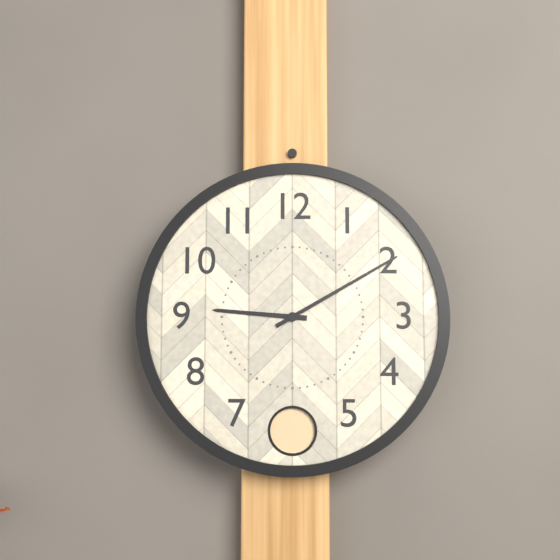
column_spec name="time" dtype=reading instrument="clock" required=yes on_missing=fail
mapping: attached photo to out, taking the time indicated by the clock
9:10
